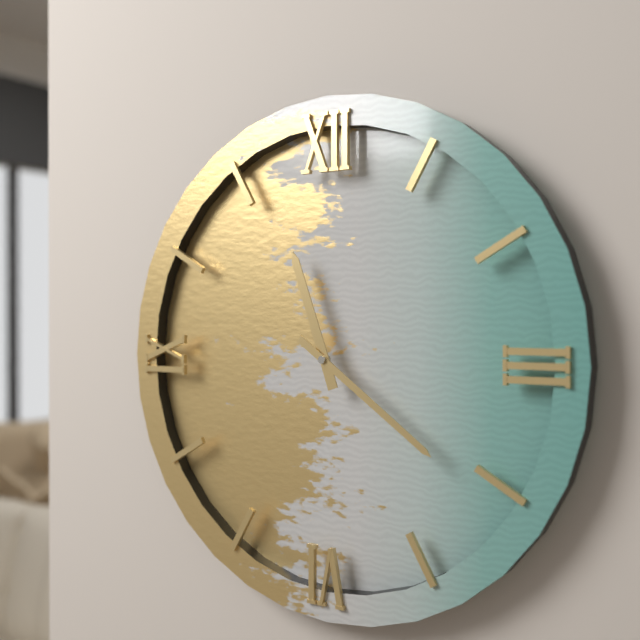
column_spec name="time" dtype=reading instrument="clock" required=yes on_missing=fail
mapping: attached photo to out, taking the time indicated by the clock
11:21
